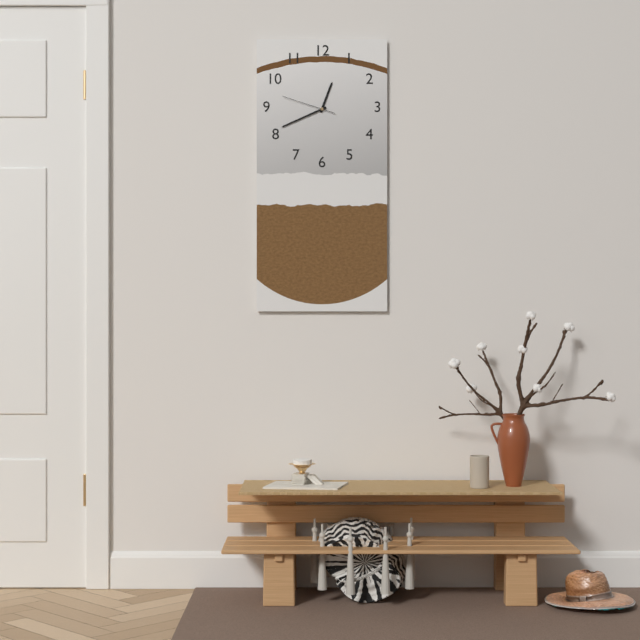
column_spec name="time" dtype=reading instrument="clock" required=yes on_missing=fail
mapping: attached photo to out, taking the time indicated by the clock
12:41:48
